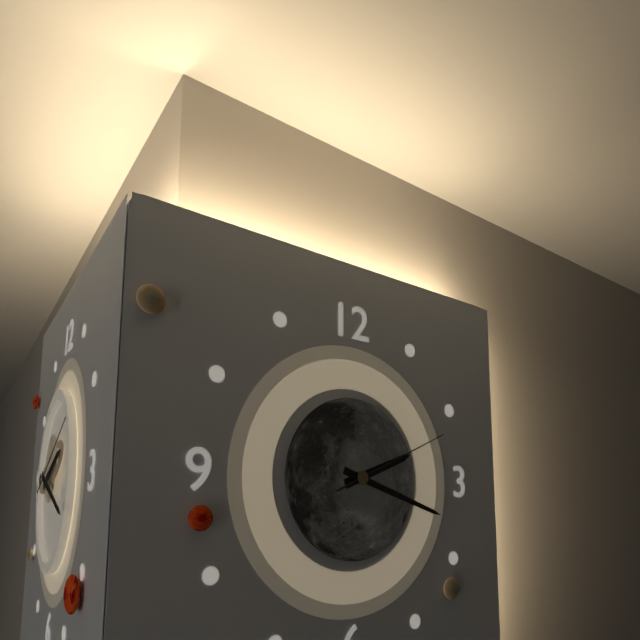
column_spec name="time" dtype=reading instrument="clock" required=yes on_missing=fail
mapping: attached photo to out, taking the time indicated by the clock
2:18:11
